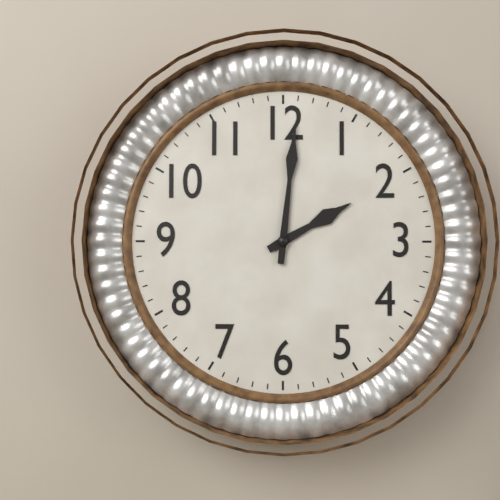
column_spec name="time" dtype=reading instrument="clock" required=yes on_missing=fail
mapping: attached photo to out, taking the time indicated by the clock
2:01
